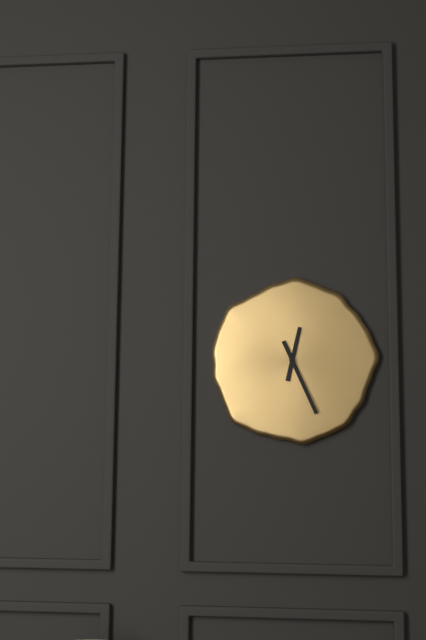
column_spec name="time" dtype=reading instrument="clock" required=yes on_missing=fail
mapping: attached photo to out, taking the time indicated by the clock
12:26
